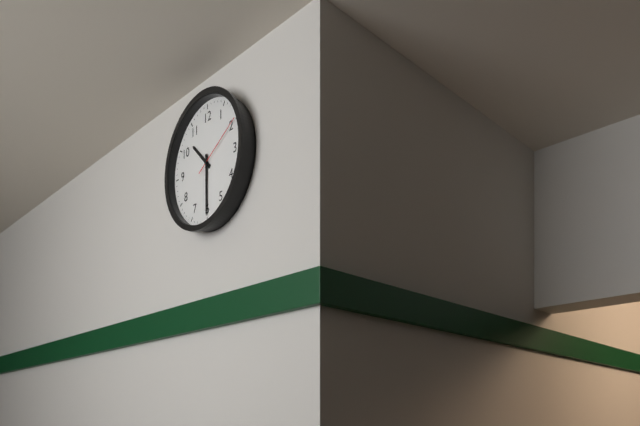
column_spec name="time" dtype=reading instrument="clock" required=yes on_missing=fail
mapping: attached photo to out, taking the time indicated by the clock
10:30:10
